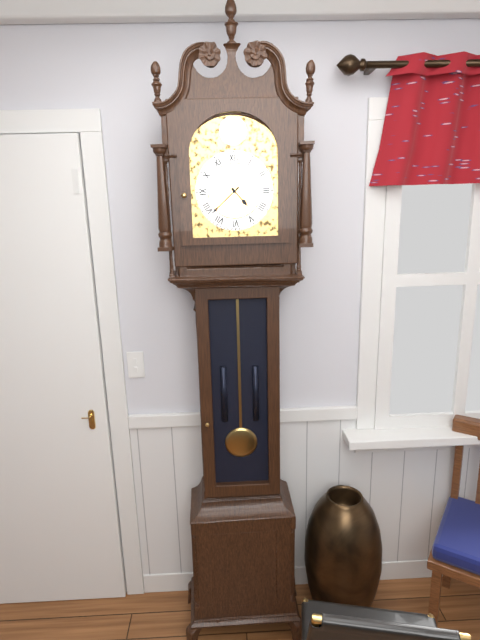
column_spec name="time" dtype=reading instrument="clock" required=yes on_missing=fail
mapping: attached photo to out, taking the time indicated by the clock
4:38
